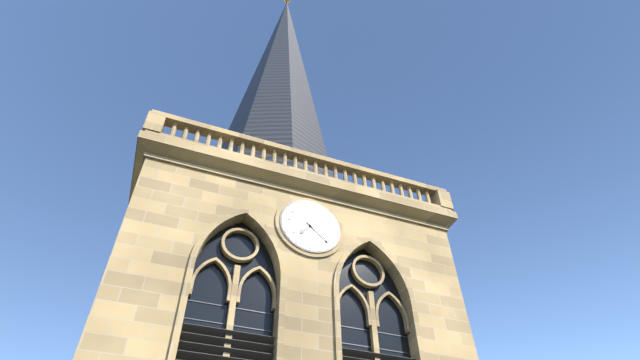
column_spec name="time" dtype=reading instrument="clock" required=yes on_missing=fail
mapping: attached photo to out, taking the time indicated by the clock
7:22
